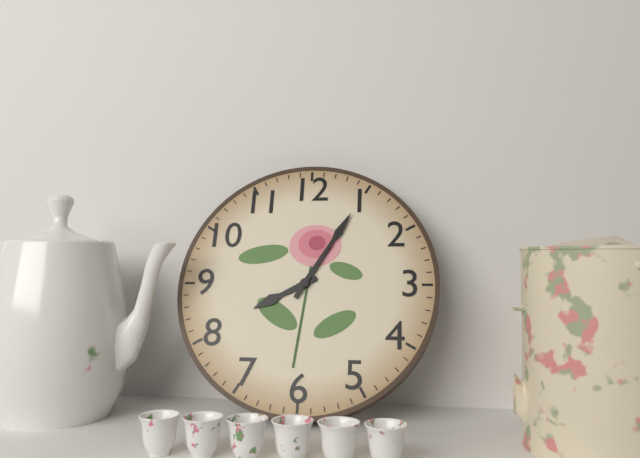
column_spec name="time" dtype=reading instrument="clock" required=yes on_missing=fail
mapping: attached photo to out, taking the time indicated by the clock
8:05
